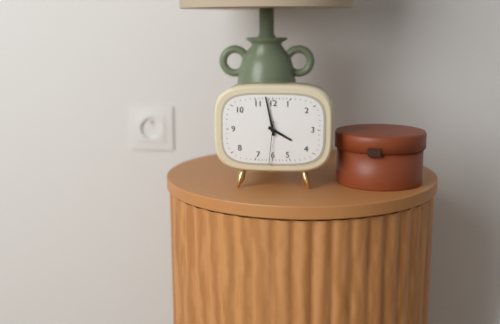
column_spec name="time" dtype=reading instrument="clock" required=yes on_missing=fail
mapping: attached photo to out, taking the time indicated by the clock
3:58
